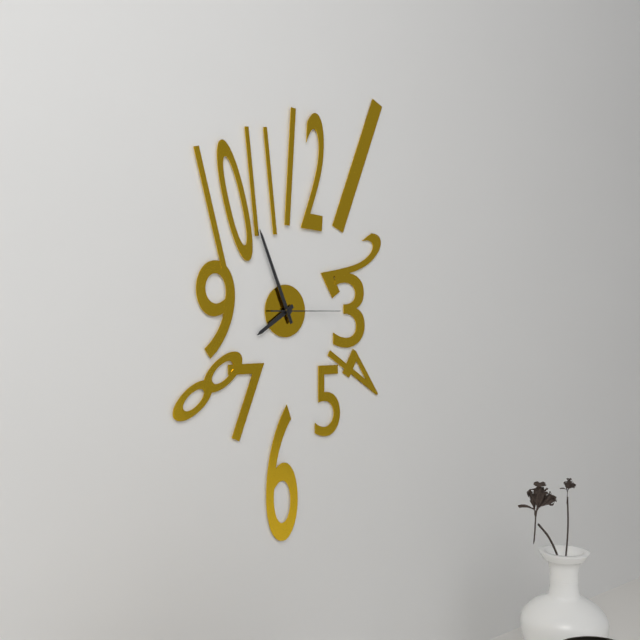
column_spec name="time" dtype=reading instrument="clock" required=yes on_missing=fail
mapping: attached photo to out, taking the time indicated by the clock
7:56:15
